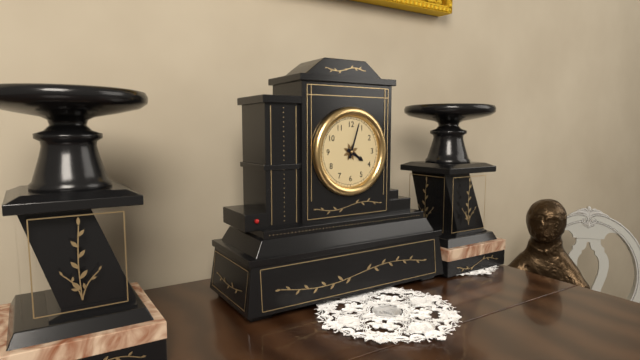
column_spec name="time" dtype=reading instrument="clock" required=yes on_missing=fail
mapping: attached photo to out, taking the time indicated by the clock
4:03
